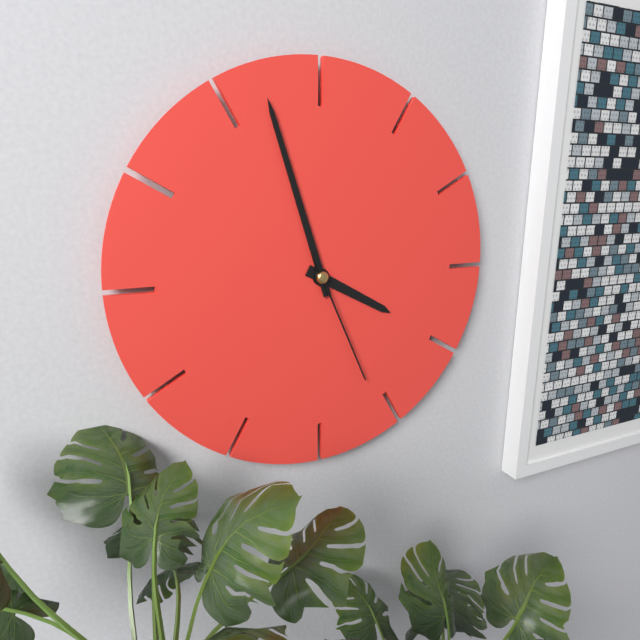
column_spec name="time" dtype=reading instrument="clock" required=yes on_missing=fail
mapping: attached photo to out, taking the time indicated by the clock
3:57:26
